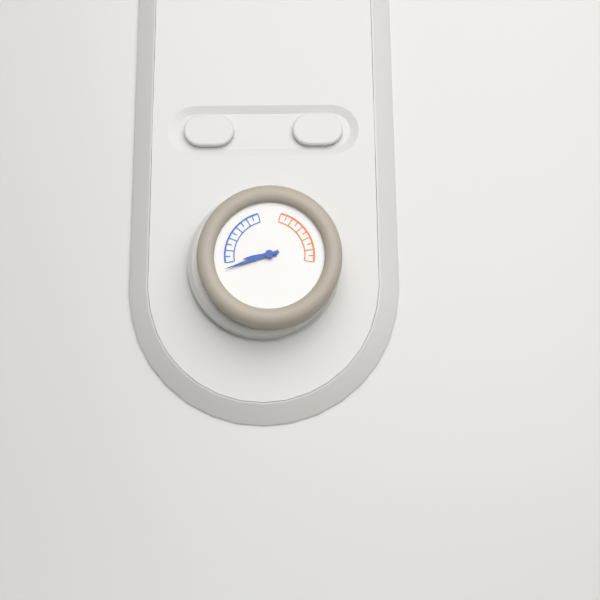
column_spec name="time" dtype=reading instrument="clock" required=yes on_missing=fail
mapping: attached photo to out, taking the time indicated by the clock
8:42
